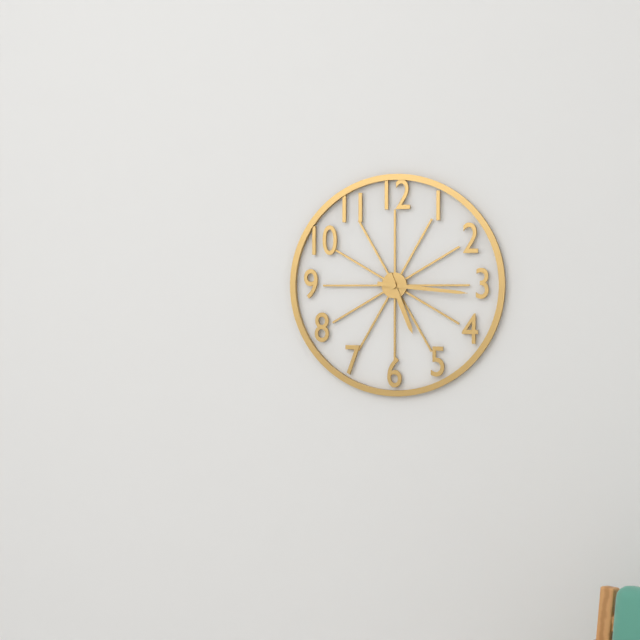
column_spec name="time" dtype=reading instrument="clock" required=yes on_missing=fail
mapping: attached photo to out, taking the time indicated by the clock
5:16
